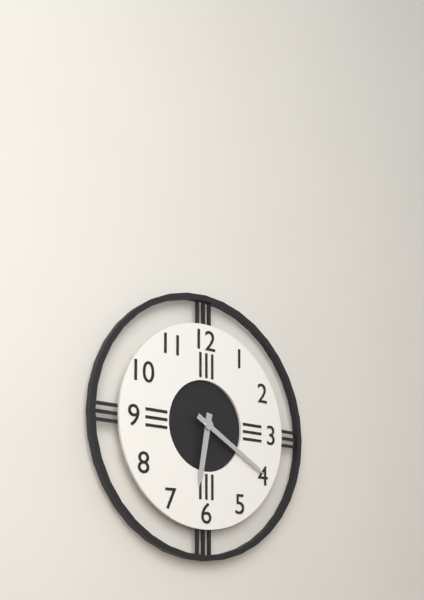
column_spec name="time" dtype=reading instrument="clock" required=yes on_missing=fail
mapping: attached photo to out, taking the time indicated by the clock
6:20
